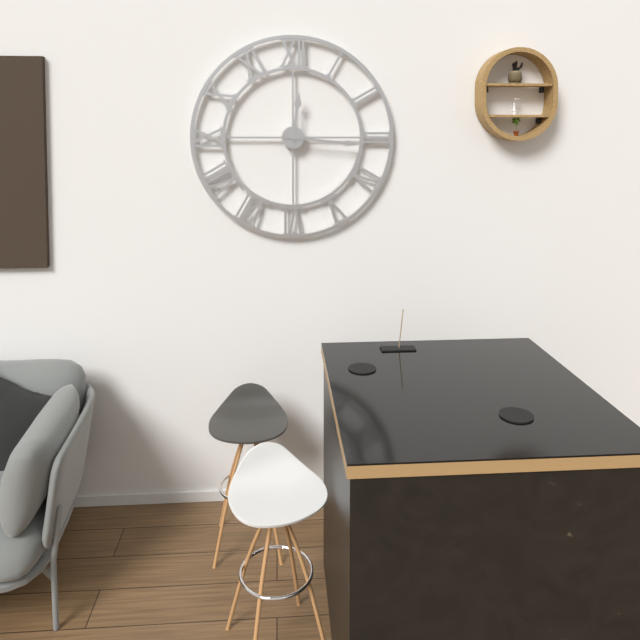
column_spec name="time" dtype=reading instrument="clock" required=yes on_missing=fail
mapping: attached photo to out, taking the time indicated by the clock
12:16
